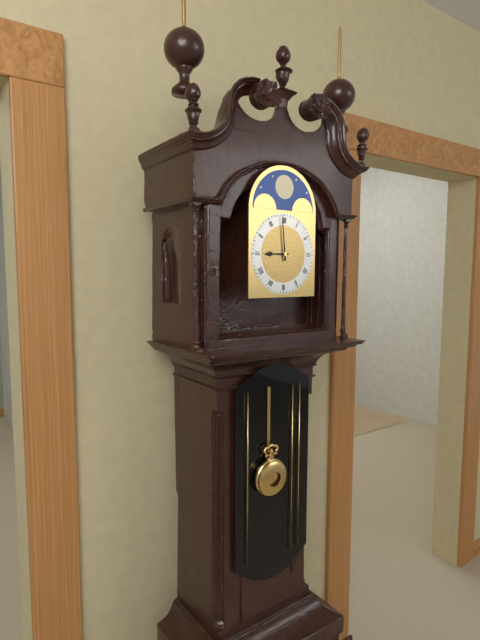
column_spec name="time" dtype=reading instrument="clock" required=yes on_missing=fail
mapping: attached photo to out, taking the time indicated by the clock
8:59
